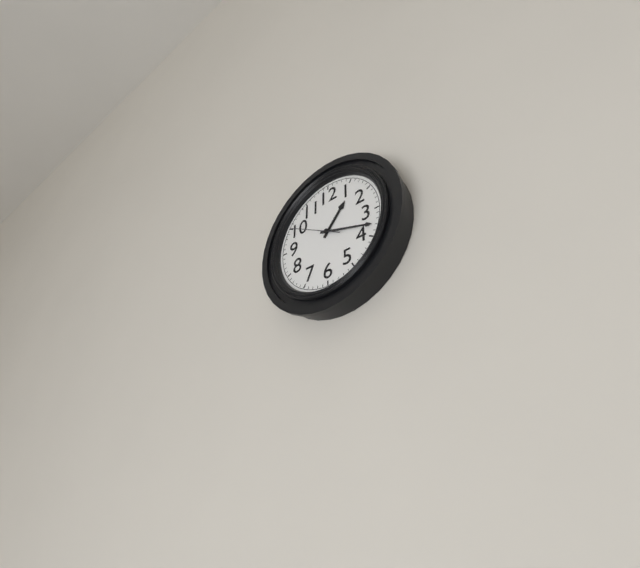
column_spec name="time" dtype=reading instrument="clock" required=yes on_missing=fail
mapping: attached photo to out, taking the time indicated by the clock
1:18
